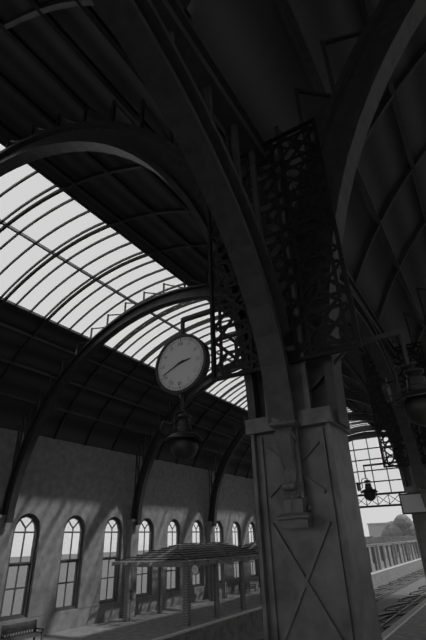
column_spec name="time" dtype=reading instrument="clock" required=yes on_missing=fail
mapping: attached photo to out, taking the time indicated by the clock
2:41
